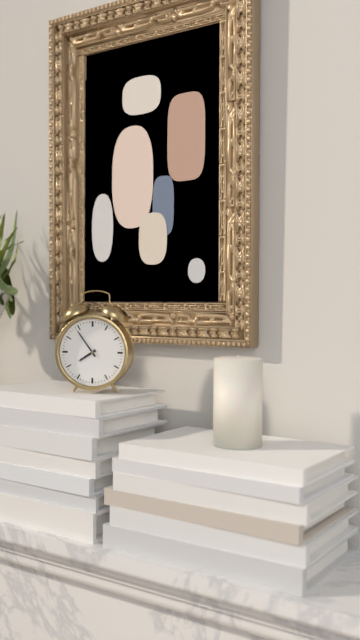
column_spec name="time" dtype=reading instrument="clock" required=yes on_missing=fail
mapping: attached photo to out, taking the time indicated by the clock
7:54
